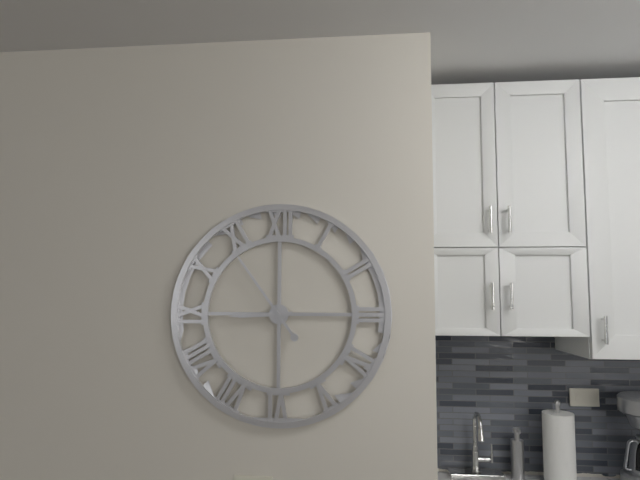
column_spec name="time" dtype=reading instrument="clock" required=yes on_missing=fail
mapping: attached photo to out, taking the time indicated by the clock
8:54
